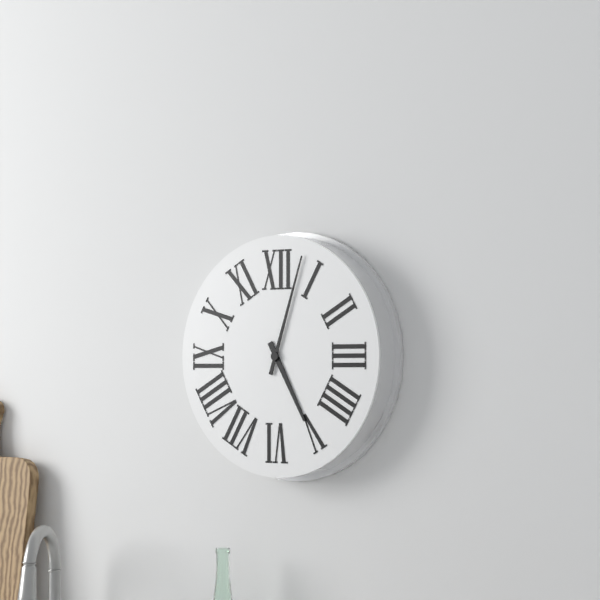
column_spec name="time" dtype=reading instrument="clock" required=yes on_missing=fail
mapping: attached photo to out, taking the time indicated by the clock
5:03
